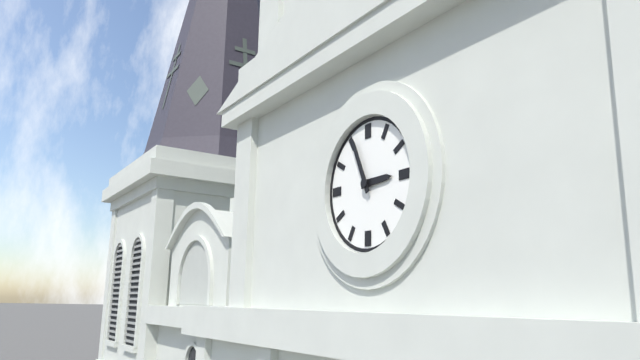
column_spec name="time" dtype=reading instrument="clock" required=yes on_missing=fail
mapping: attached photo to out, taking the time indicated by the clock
2:56
